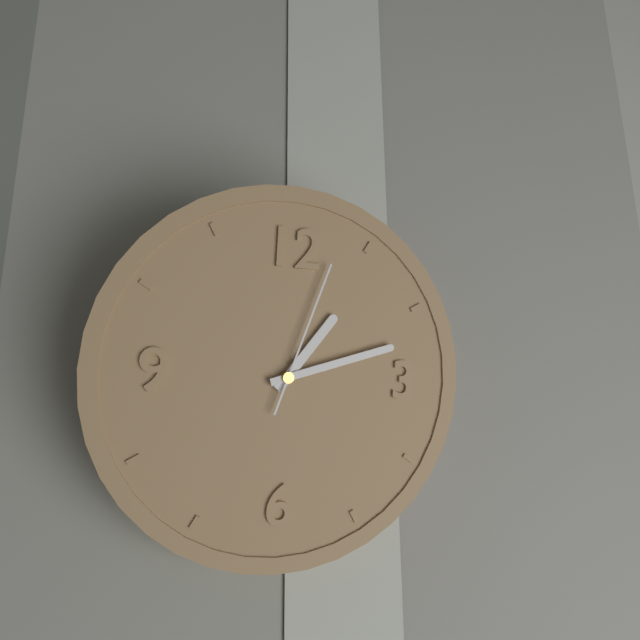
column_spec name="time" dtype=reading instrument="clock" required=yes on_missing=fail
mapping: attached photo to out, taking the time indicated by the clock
1:12:03
